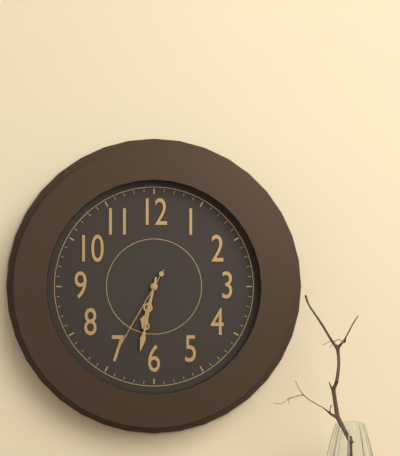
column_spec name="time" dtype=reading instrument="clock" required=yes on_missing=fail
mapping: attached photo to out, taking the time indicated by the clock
6:32:35
